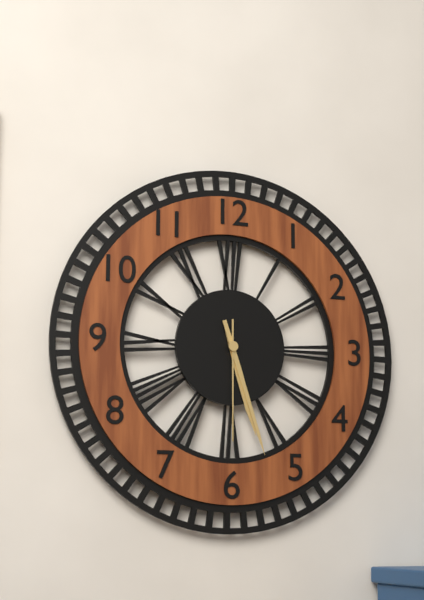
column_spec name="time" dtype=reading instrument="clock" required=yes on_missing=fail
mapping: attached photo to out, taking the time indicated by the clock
5:27:30
